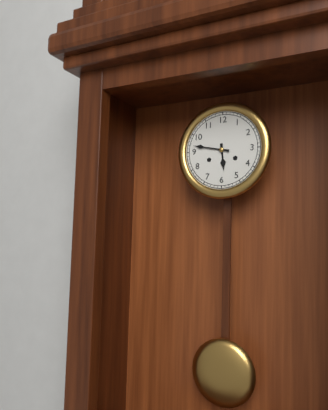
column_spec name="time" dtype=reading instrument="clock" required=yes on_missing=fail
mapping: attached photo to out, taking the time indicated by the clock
5:47
